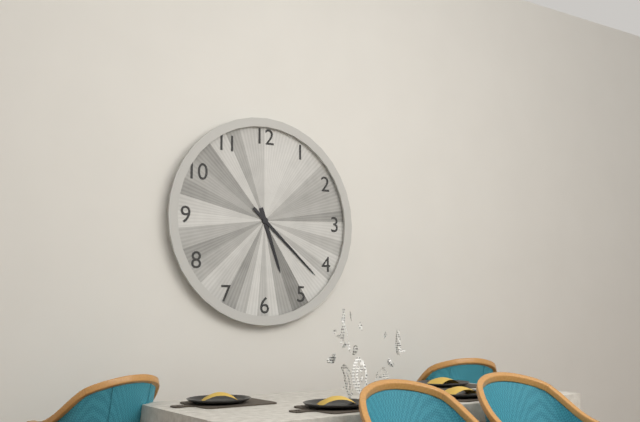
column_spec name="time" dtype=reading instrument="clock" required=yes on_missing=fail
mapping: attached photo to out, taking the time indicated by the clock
5:22
